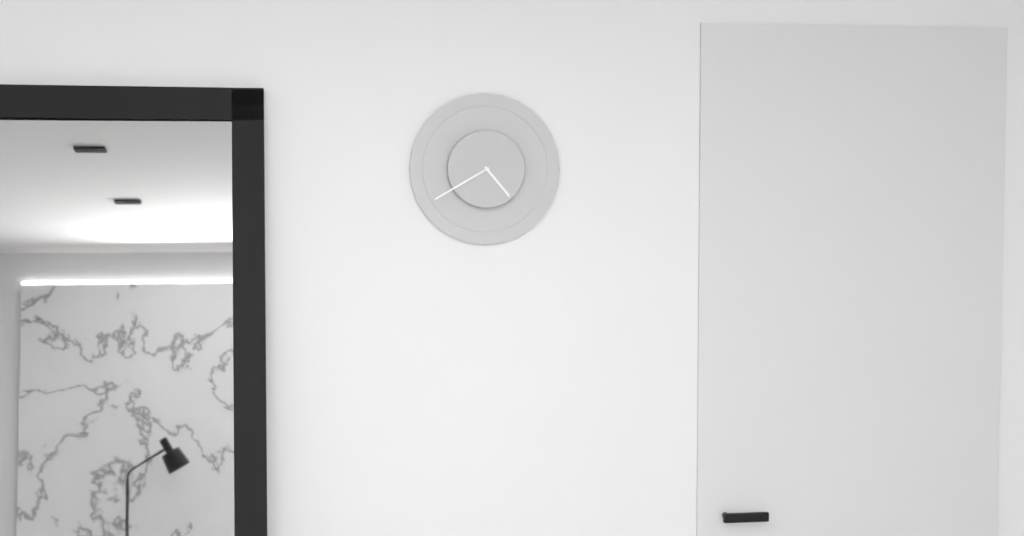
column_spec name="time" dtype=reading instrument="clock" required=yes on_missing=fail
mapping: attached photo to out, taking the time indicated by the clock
4:40
